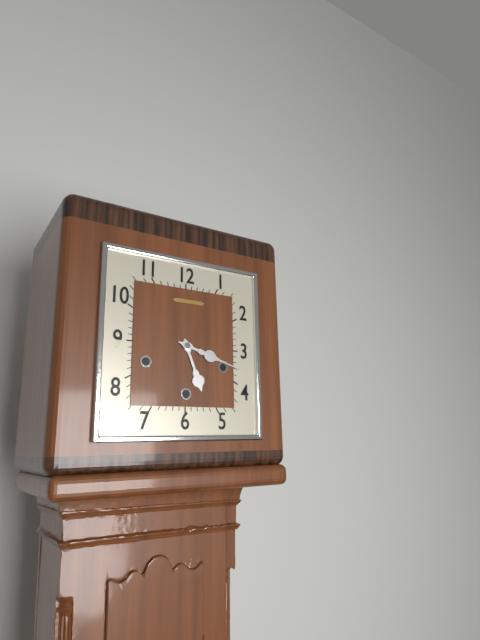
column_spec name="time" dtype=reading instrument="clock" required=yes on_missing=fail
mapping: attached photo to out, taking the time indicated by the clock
5:18
